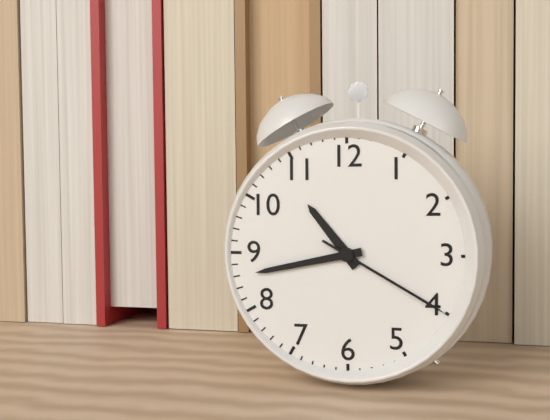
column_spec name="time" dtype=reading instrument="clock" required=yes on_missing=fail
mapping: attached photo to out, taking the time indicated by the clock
10:43:20
